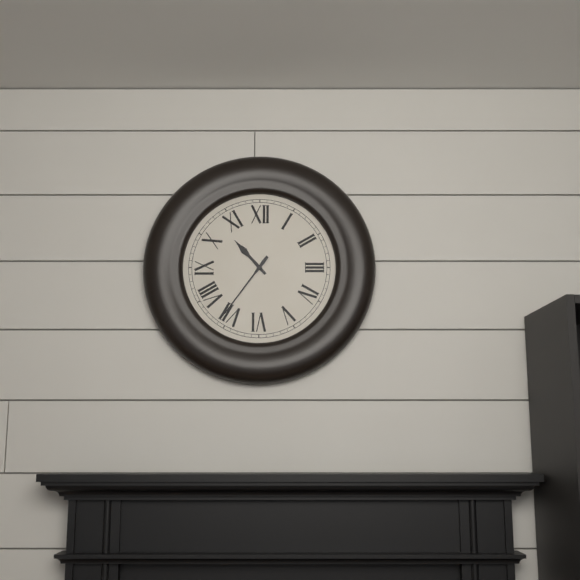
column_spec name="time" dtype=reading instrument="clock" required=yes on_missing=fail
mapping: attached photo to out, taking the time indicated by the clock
10:36
